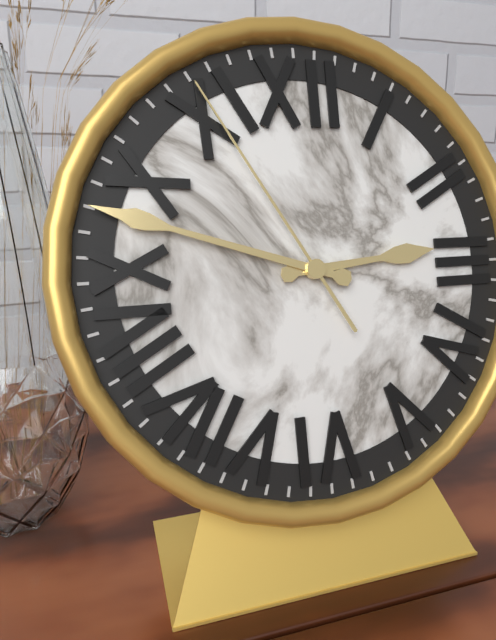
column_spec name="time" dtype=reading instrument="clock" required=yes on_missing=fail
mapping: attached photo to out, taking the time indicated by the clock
2:48:55
